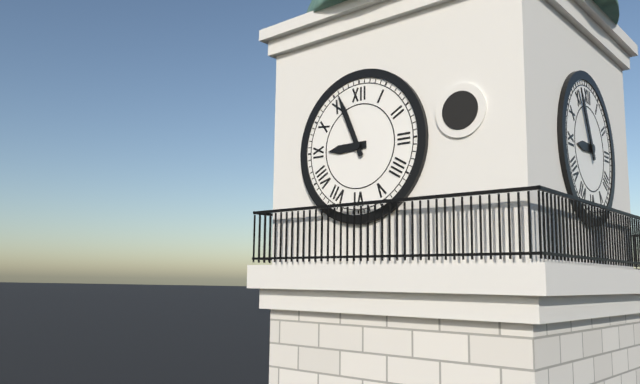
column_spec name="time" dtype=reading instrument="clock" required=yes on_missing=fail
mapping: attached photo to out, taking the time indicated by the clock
8:56
